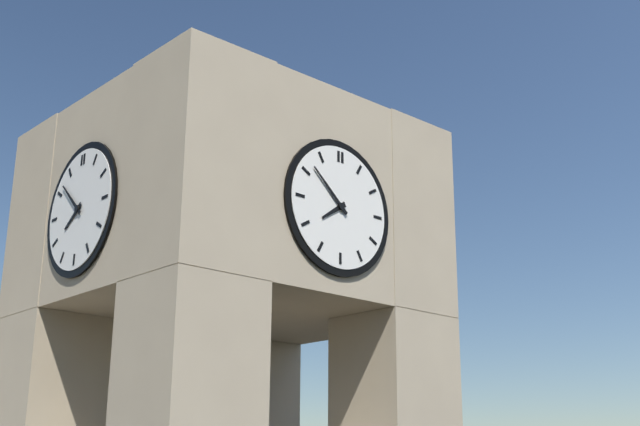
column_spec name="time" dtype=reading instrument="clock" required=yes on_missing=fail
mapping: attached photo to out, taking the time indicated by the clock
7:52
